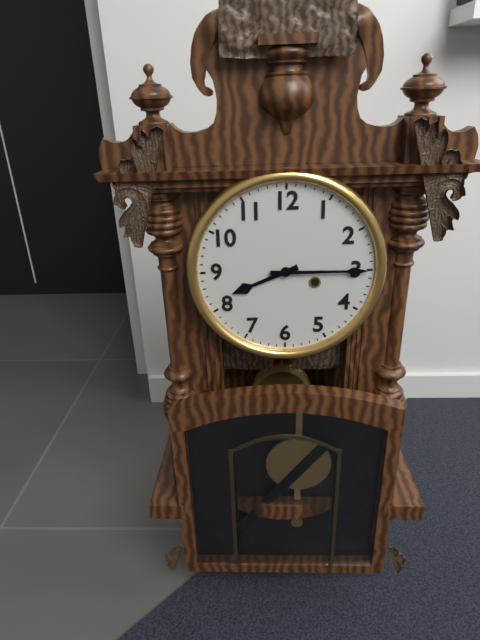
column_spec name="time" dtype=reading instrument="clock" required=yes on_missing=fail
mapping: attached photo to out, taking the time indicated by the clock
8:15
